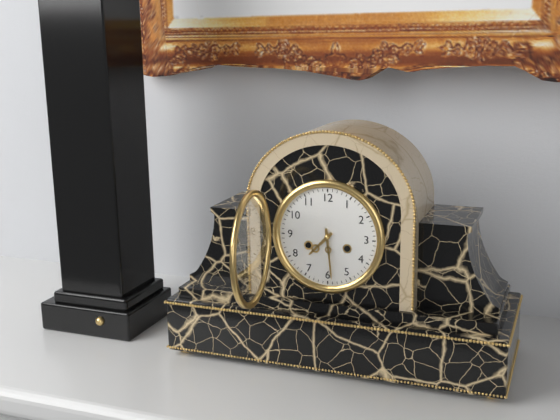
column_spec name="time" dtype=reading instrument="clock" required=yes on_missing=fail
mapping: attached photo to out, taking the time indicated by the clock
7:29
